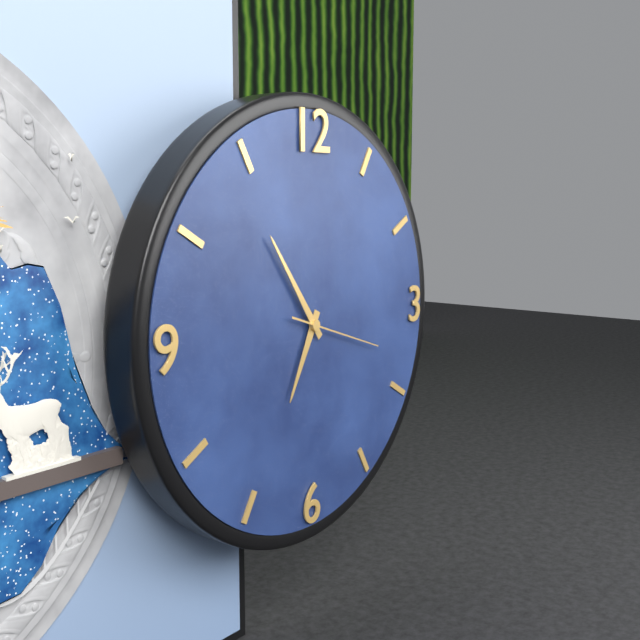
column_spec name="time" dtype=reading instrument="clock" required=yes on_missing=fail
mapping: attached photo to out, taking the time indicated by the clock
6:54:18
